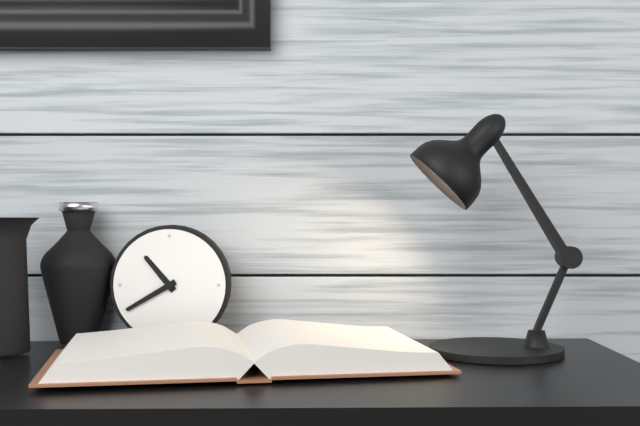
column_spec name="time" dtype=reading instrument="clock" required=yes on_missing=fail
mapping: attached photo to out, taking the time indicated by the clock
10:40
